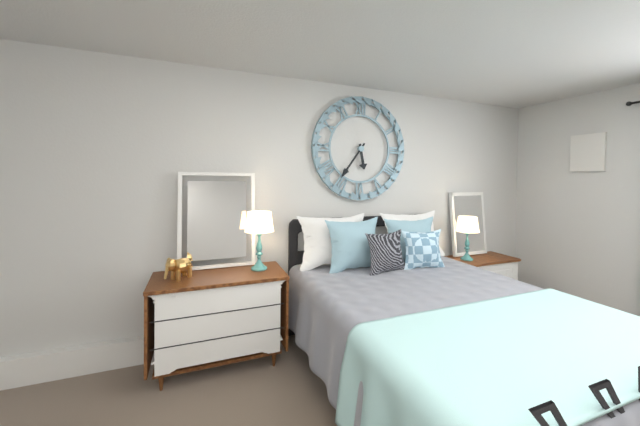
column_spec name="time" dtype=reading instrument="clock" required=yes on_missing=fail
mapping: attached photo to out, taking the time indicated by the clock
5:36
